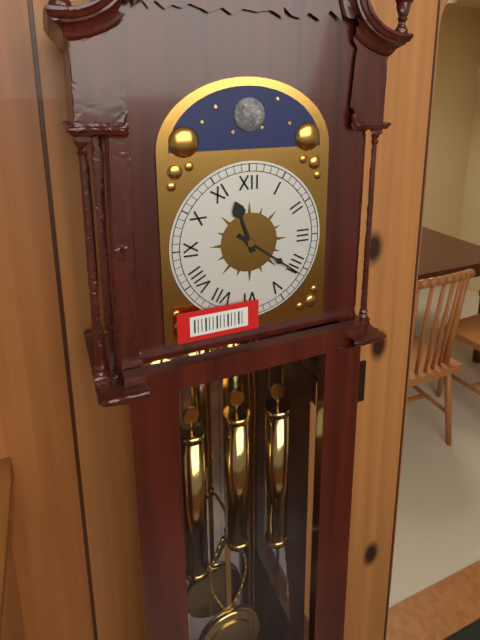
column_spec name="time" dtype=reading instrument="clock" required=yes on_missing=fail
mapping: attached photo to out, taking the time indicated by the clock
11:21
